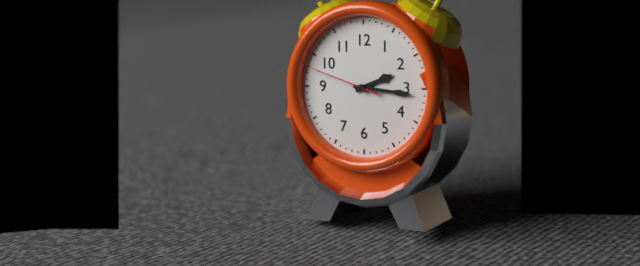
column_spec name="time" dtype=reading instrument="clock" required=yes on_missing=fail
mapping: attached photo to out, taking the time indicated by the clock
2:16:48
